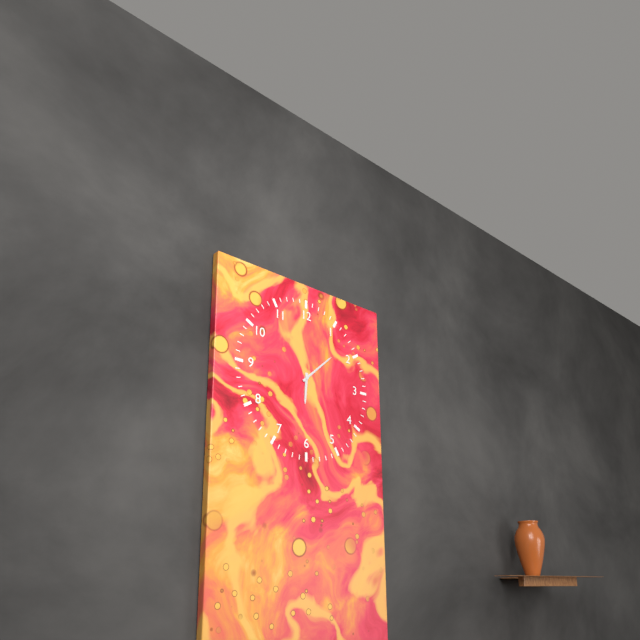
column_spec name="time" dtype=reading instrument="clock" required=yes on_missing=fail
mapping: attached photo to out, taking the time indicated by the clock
6:08
